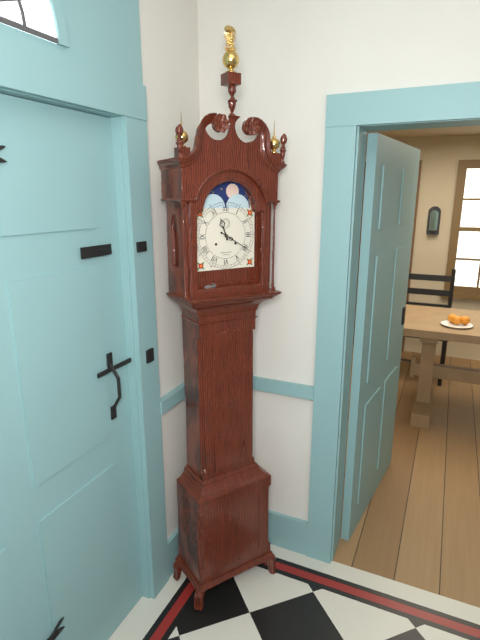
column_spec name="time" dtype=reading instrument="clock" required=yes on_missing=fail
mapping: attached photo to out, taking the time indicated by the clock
11:20
